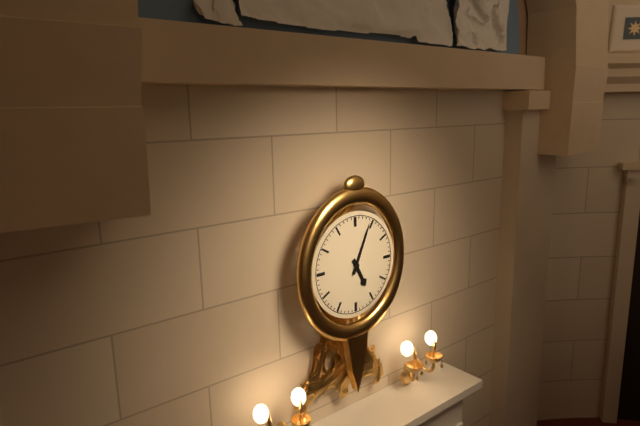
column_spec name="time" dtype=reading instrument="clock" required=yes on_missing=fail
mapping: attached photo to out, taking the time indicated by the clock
5:04
